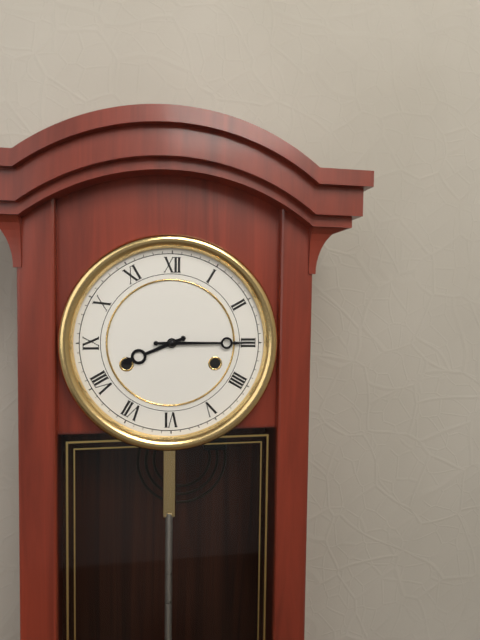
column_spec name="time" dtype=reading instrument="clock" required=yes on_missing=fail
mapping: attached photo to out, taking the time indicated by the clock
8:15
